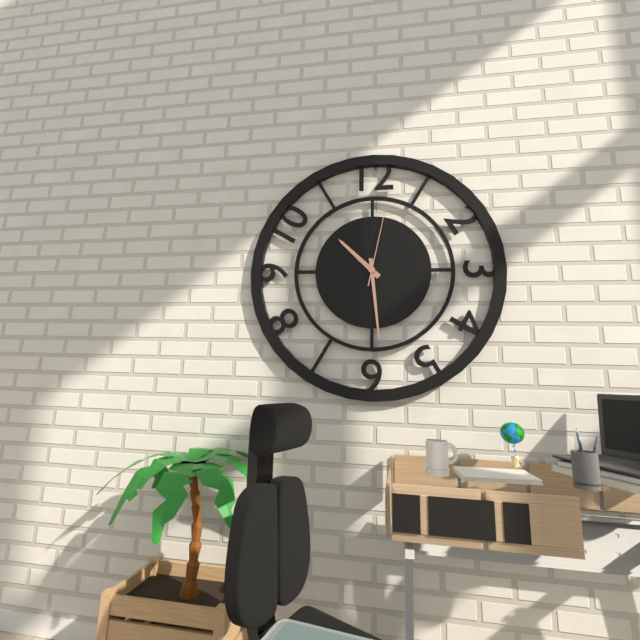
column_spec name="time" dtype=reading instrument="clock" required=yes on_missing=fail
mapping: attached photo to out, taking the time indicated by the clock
10:29:02
